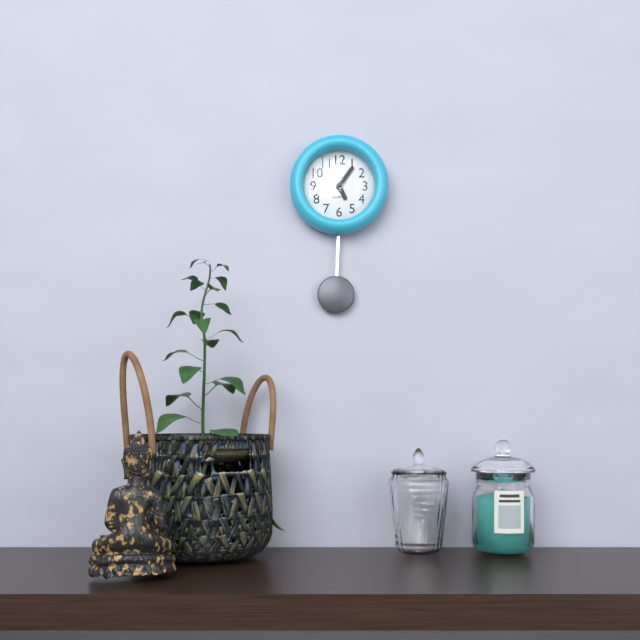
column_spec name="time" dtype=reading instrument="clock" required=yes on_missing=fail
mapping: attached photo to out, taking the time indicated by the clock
5:06
